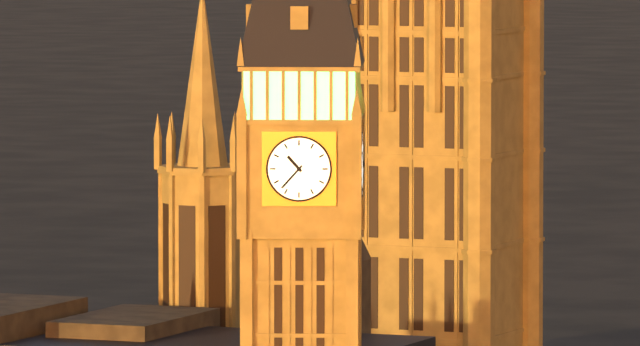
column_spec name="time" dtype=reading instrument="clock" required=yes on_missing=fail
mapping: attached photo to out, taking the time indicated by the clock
10:37
